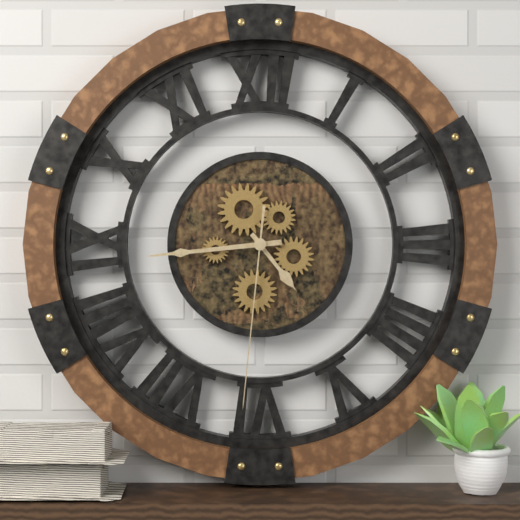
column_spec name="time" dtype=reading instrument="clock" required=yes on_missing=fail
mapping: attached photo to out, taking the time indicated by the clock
4:44:31
